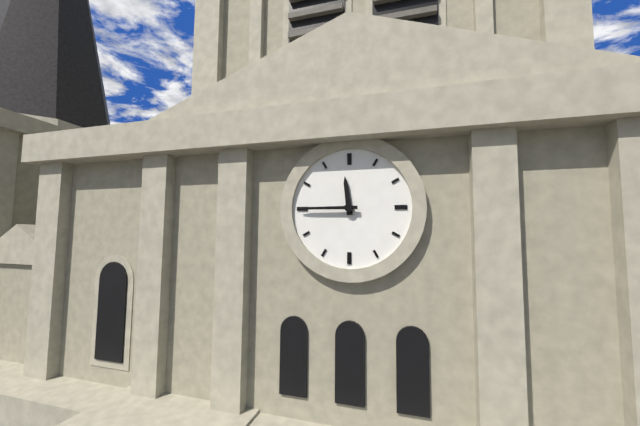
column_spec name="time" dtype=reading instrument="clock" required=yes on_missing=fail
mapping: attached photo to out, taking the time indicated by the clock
11:45
